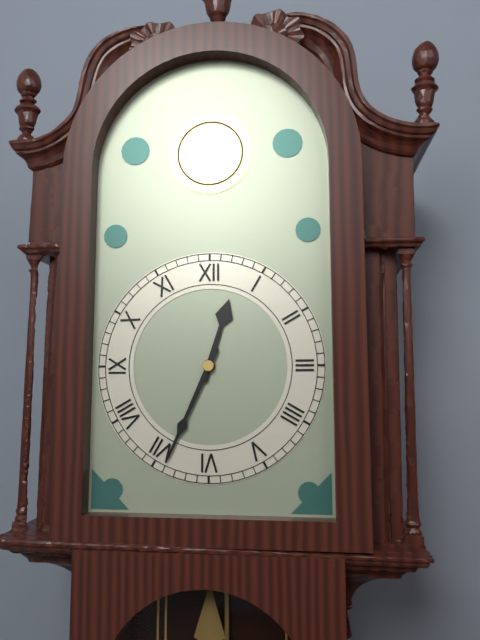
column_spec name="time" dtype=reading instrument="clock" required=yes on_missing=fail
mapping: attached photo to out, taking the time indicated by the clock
12:34
